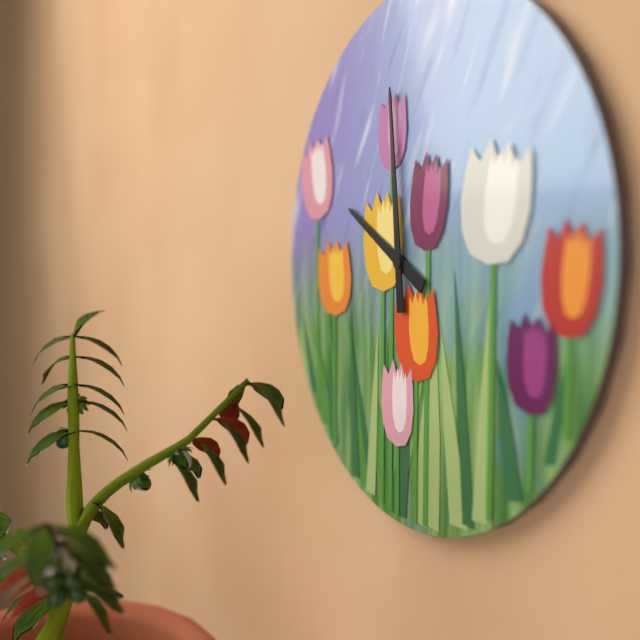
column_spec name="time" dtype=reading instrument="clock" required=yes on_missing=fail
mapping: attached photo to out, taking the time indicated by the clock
9:59
